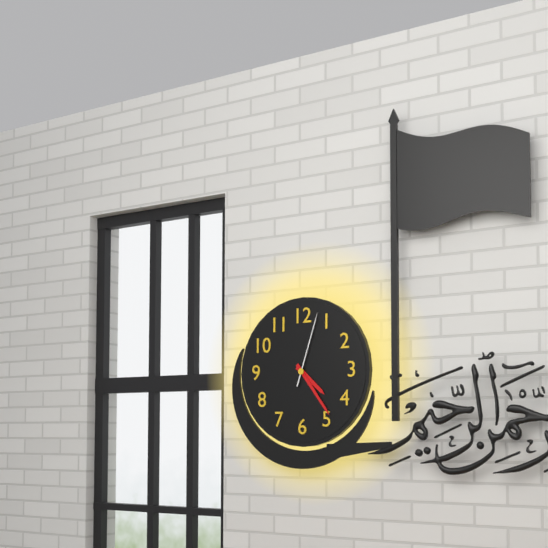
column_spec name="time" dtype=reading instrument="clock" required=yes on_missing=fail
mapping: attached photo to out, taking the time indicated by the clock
4:24:03
